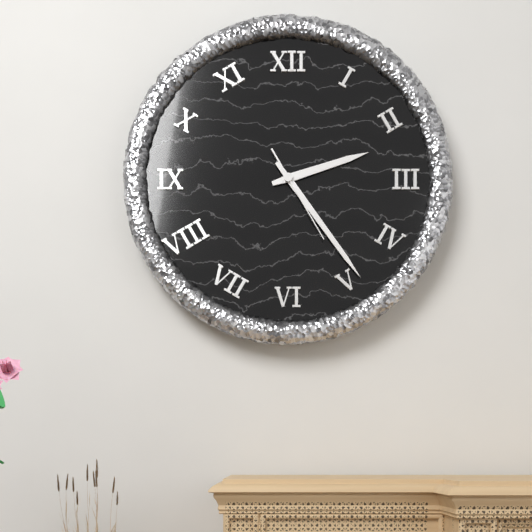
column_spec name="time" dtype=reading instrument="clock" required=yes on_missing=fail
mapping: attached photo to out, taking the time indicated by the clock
2:24:25
